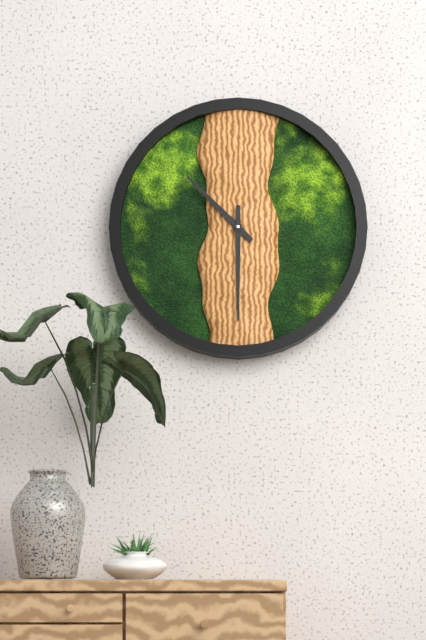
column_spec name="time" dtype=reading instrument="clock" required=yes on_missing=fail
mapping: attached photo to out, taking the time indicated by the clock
10:30
